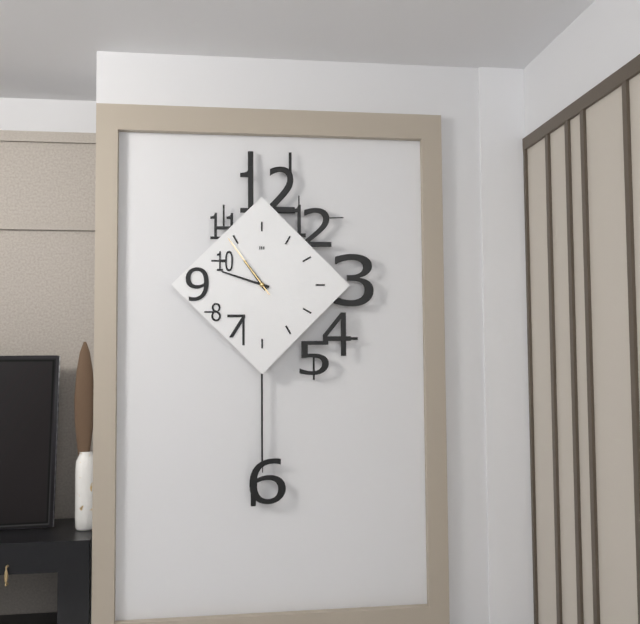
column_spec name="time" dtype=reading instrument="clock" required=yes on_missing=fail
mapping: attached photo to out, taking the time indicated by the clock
10:48:54
